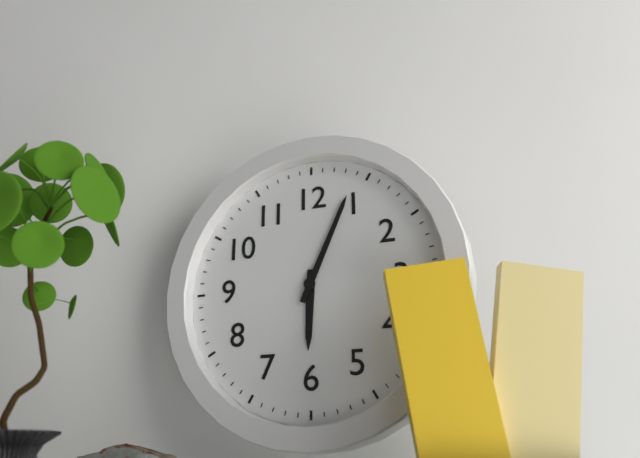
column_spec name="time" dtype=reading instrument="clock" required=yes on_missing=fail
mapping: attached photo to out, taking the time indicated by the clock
6:04
